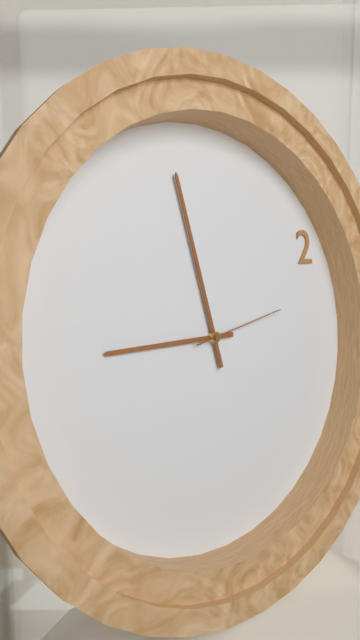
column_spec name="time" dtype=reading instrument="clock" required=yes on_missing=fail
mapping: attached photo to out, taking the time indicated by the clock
8:58:13
